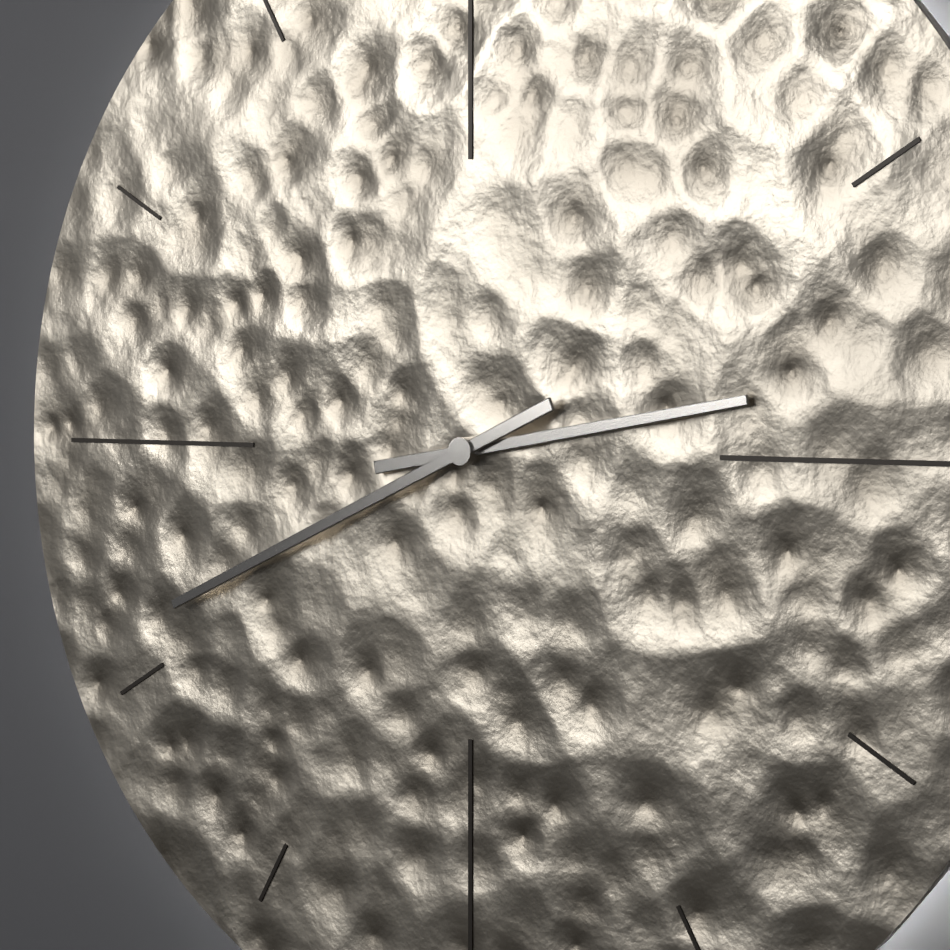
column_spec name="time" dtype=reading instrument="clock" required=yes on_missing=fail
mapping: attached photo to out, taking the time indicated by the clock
2:41
